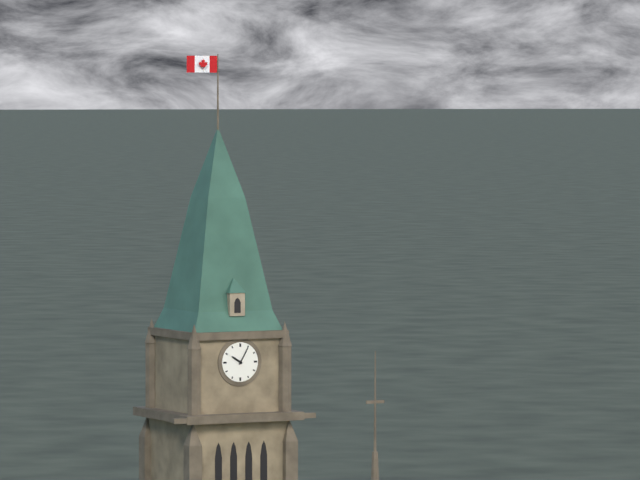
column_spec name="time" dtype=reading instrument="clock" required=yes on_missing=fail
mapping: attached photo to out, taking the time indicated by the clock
10:05
